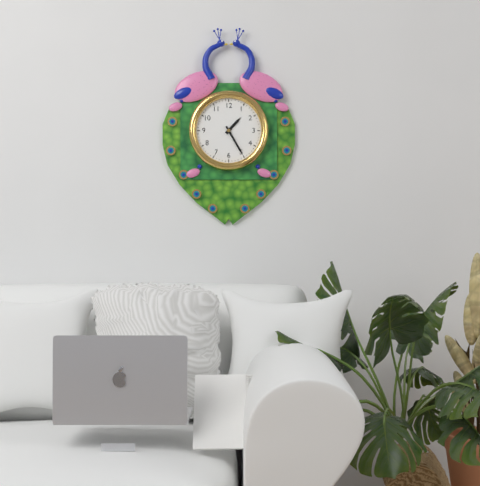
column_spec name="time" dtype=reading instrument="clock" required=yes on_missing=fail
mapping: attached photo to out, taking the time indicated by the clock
1:25
